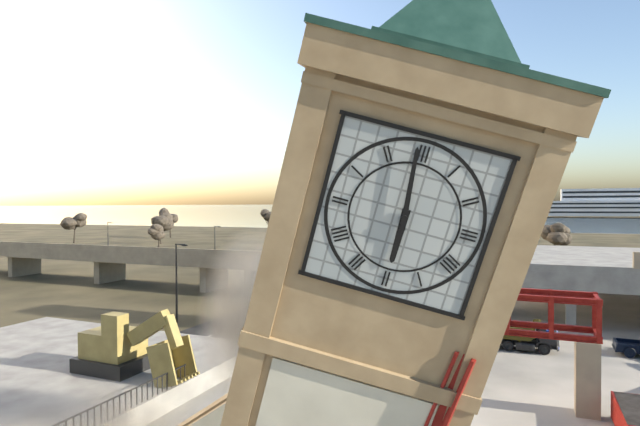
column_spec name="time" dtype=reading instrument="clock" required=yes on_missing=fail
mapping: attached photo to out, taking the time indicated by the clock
5:59
